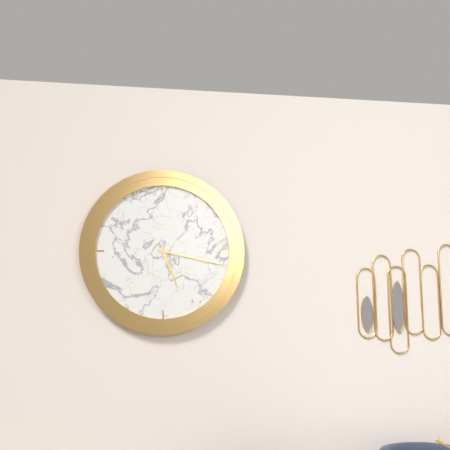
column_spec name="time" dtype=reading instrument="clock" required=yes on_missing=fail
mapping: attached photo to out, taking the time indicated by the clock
5:17
